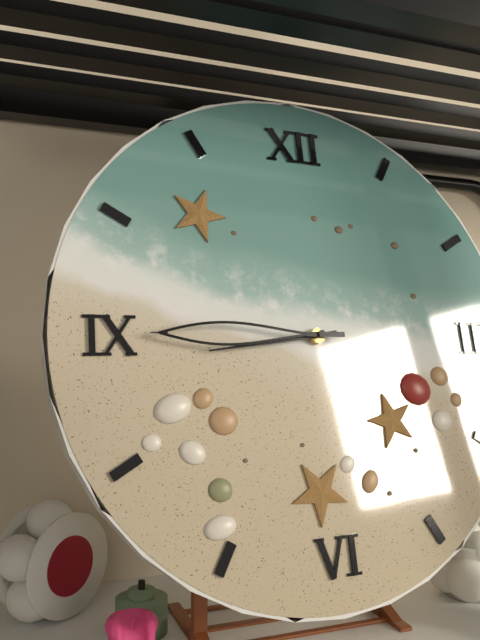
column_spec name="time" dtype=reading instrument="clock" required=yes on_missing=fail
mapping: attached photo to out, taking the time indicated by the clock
8:45
